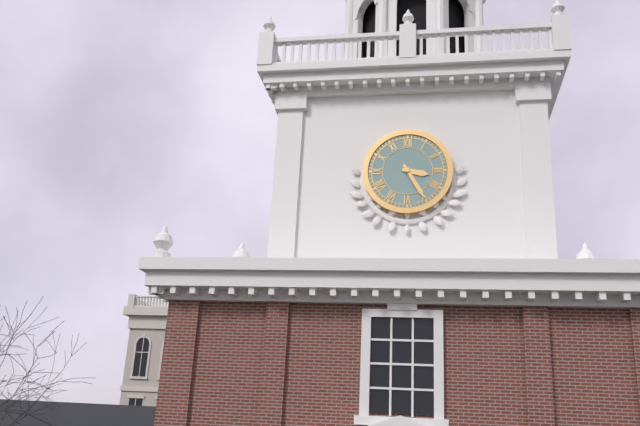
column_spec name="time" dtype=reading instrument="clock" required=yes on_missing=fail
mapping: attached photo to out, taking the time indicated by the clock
3:25
